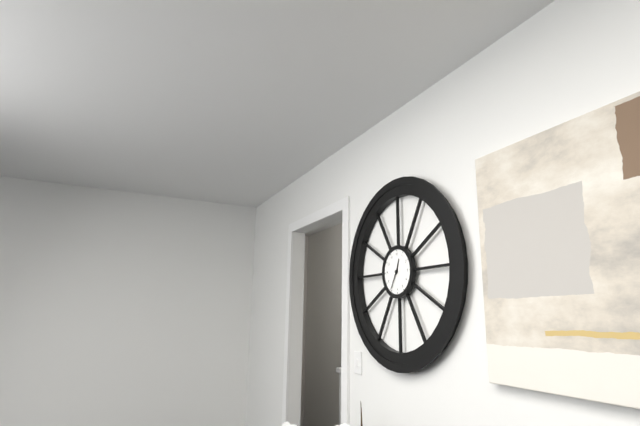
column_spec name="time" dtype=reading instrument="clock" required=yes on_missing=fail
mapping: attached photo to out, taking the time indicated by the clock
12:35
